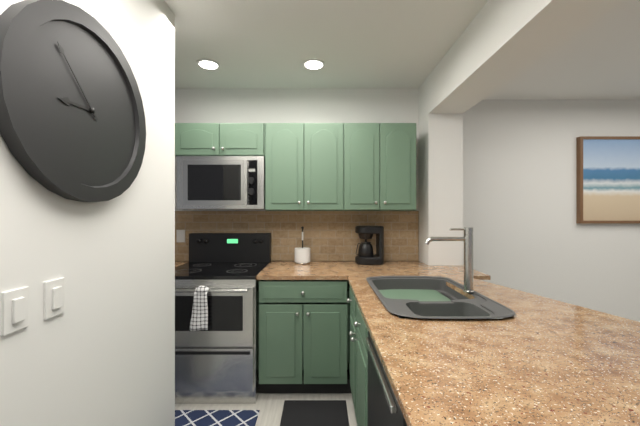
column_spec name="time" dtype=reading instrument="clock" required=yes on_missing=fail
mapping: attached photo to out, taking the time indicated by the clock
8:53
